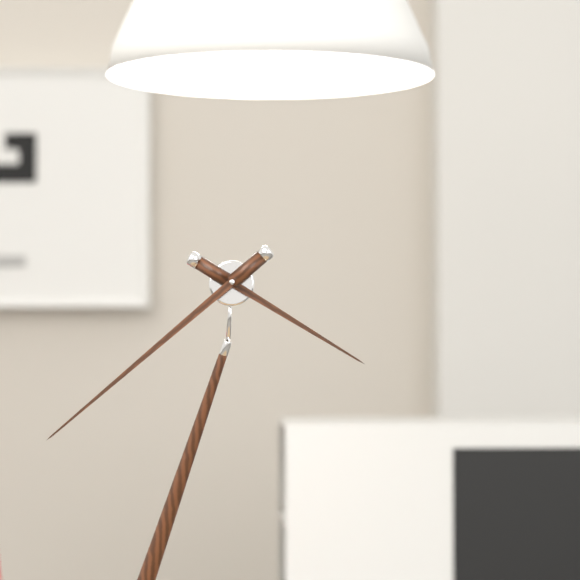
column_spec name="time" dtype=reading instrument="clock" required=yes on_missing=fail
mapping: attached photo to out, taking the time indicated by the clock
3:36
